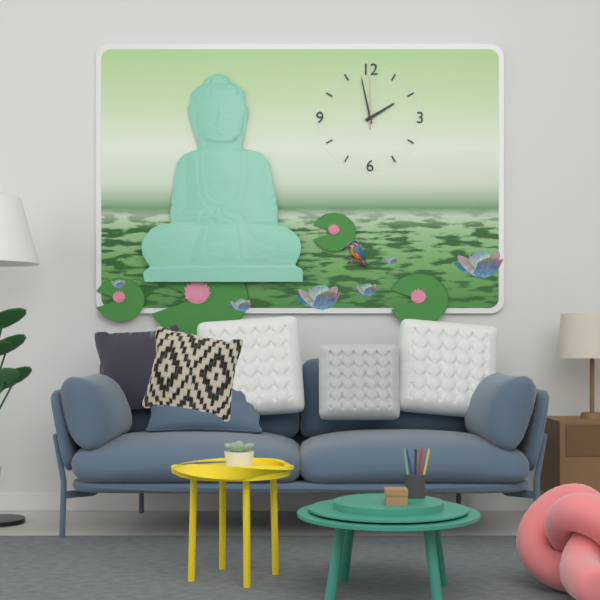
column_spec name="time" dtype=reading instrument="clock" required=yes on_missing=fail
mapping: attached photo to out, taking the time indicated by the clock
1:58:00
